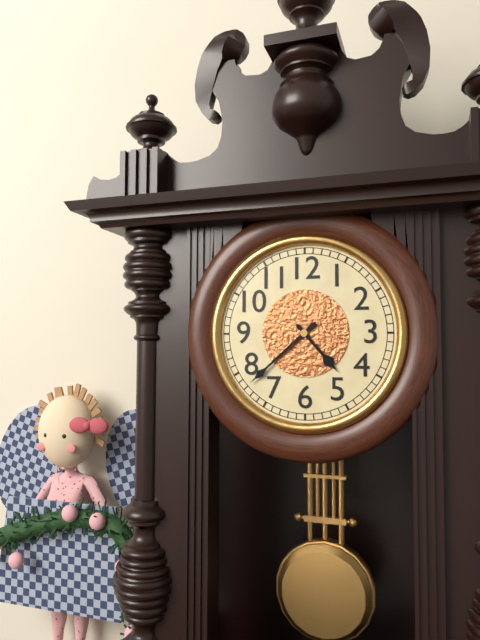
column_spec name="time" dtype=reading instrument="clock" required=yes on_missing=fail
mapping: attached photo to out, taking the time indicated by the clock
4:38
